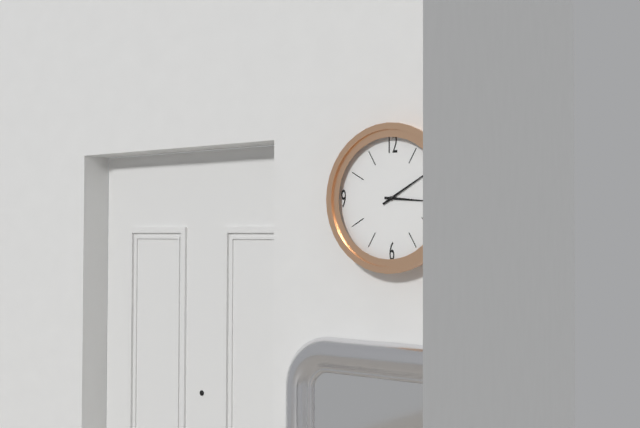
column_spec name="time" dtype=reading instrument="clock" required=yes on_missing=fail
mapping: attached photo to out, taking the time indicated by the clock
3:10
